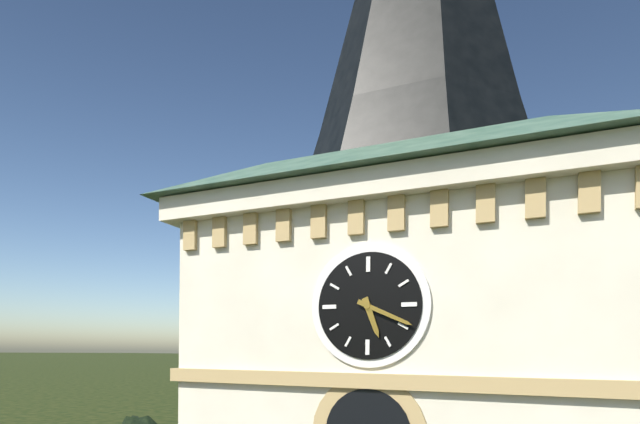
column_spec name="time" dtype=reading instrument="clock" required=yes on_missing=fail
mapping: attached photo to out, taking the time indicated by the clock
5:19
